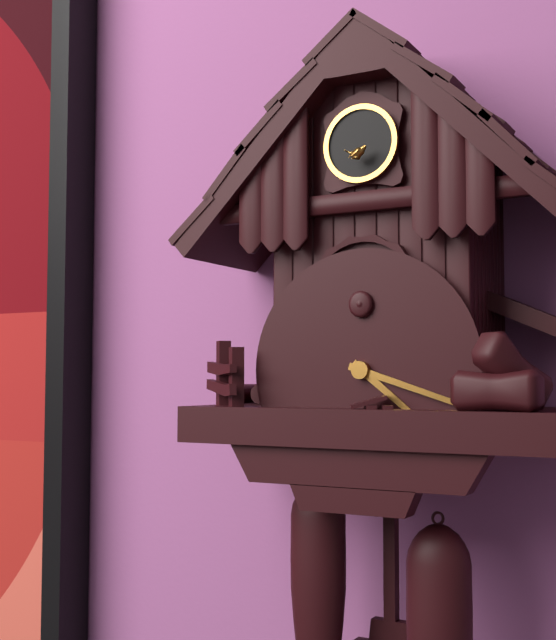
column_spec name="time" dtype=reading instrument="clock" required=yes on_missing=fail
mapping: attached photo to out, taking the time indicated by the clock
4:18
